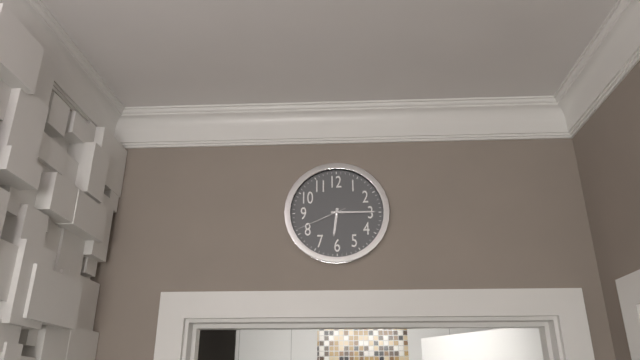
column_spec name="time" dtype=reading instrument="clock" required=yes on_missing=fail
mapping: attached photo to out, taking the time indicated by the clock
6:15:41
